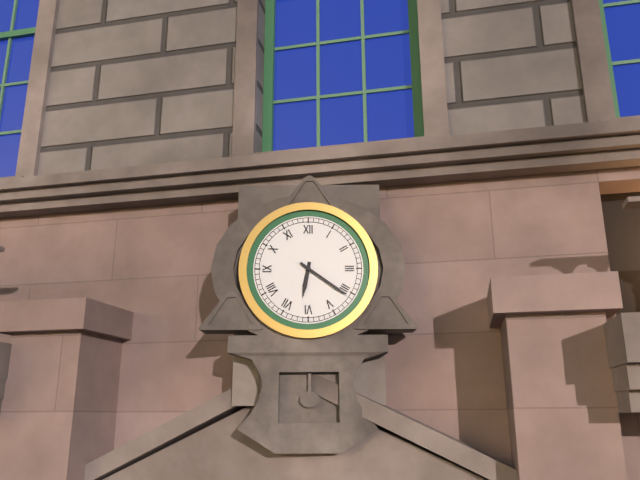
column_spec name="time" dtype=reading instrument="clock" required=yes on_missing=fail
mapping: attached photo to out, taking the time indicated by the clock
6:21
